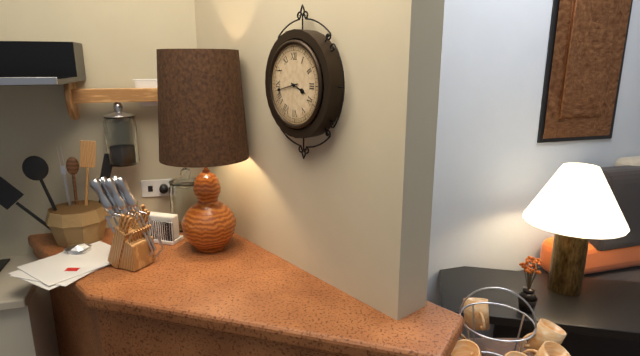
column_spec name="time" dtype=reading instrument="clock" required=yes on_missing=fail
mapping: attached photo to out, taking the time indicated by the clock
3:43
